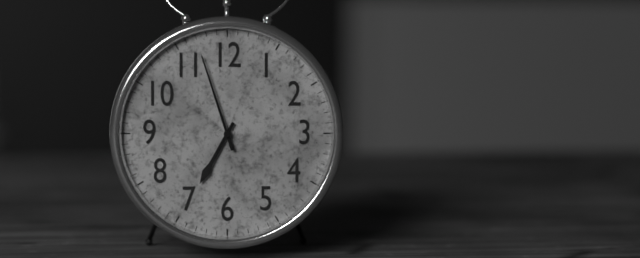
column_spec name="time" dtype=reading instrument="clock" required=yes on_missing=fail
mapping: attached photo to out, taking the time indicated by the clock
6:57
